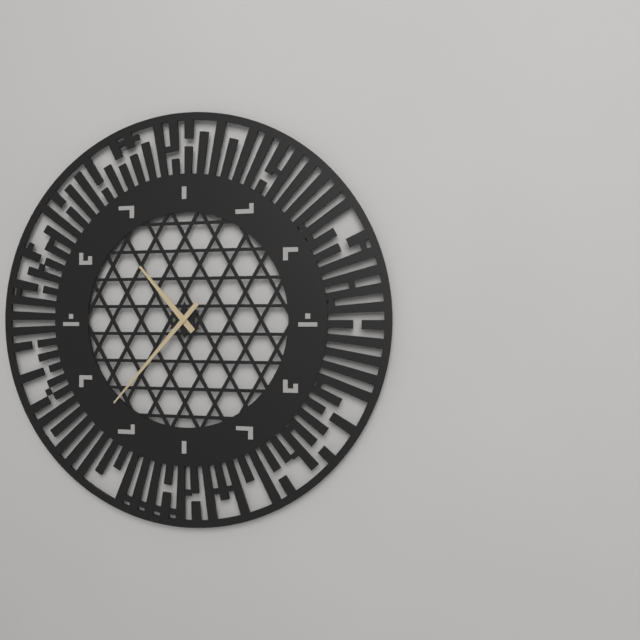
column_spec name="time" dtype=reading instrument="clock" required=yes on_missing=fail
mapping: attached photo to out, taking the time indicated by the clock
10:37
